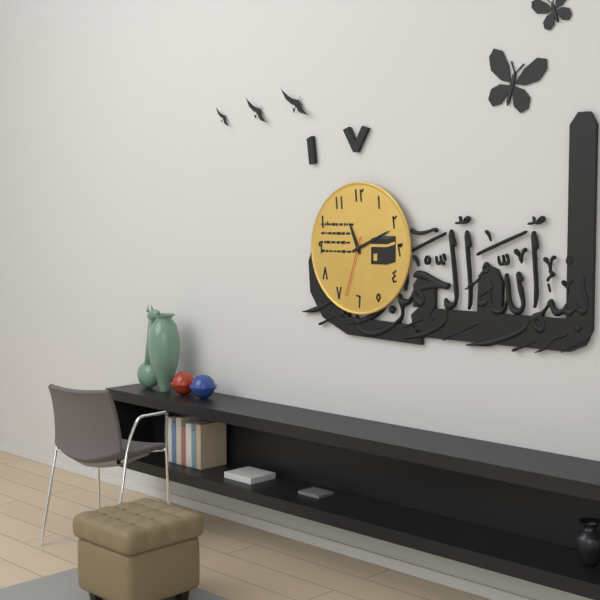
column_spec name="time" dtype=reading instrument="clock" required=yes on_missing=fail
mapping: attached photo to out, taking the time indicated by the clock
11:11:33
